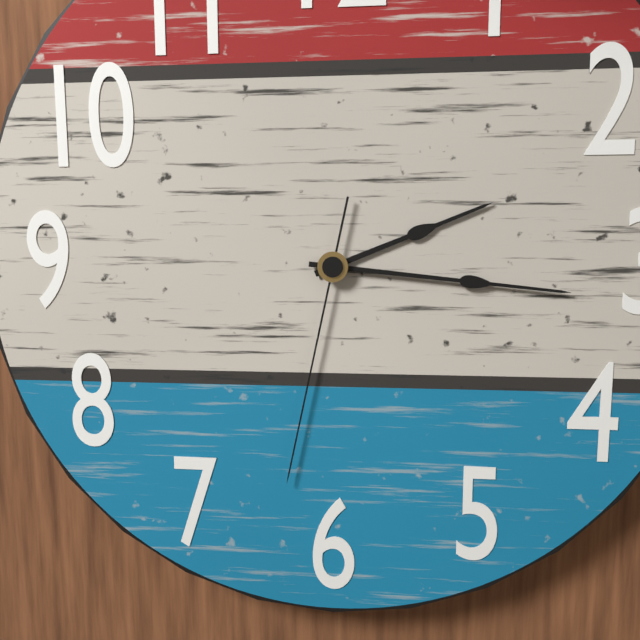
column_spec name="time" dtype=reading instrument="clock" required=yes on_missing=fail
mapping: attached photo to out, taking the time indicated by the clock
2:16:32
